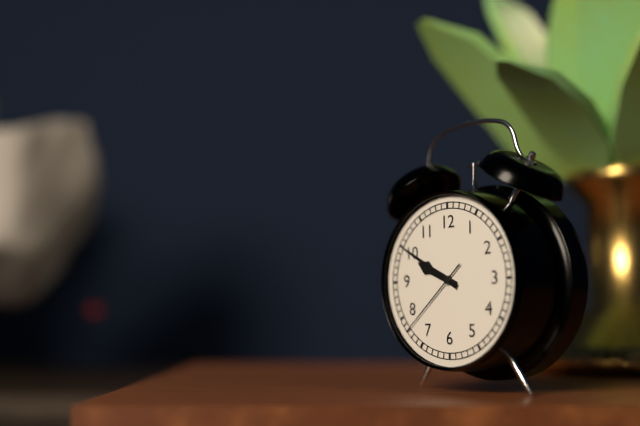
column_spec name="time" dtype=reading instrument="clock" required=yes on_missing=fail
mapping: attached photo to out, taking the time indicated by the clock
9:50:38
